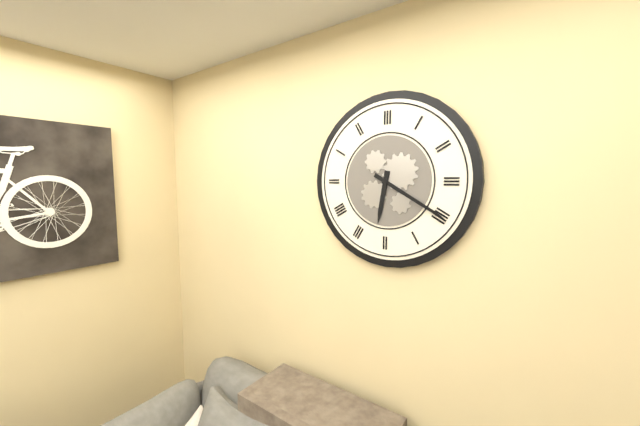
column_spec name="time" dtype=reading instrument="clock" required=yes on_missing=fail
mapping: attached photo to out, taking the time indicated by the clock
6:20
